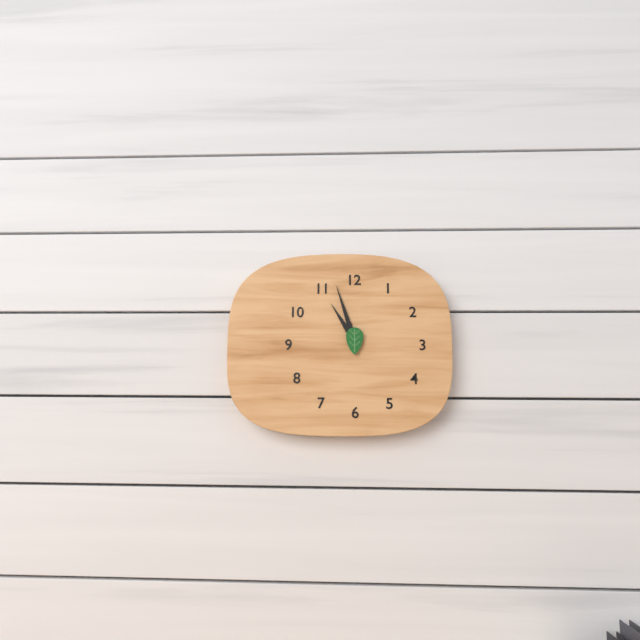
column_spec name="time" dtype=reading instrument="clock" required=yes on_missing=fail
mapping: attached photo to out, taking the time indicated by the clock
10:57
